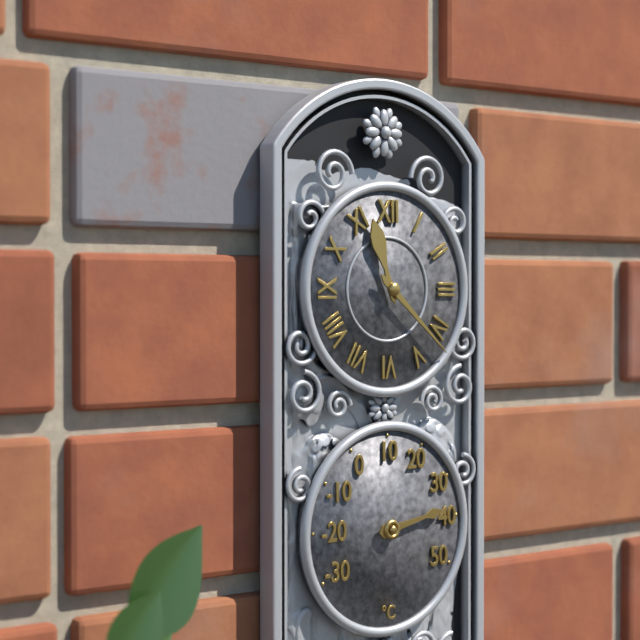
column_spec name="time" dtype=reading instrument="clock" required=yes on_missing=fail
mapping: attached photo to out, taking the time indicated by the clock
11:22
